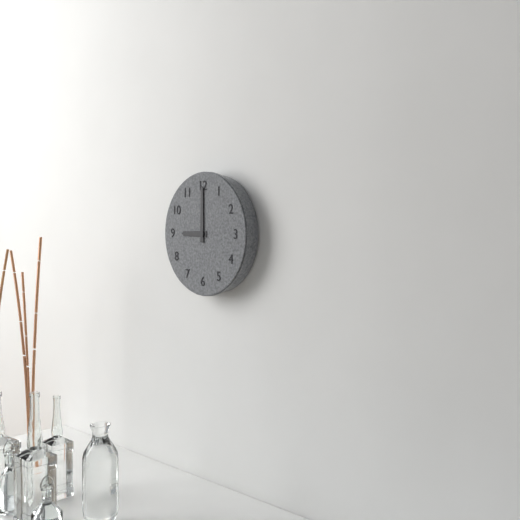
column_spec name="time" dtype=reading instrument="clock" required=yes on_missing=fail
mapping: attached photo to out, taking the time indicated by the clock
9:00
